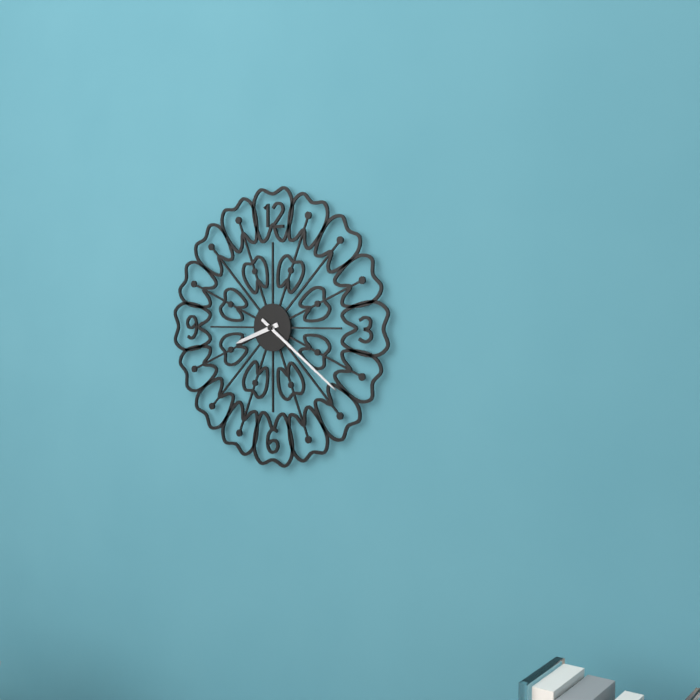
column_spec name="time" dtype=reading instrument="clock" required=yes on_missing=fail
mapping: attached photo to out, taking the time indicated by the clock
8:21
